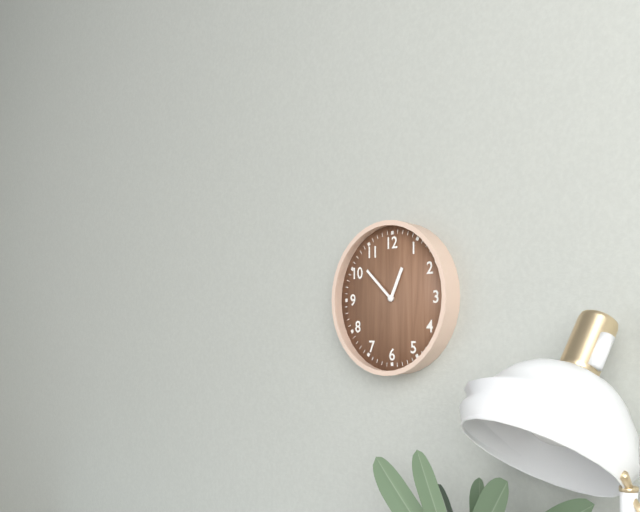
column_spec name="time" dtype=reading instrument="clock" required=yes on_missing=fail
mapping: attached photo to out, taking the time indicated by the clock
12:52
